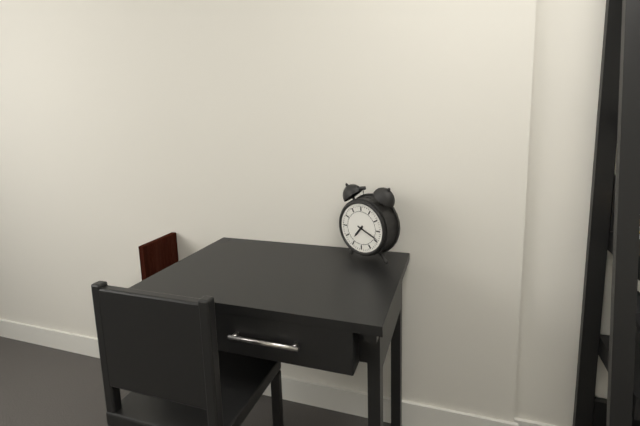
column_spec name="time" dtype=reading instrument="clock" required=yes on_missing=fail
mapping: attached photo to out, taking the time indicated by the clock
7:19
